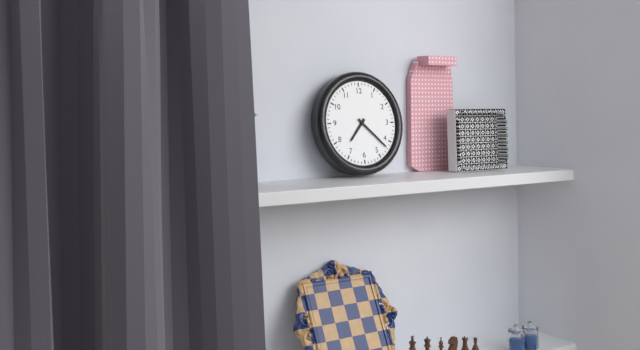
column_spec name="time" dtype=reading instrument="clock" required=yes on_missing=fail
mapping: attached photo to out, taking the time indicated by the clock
7:22
